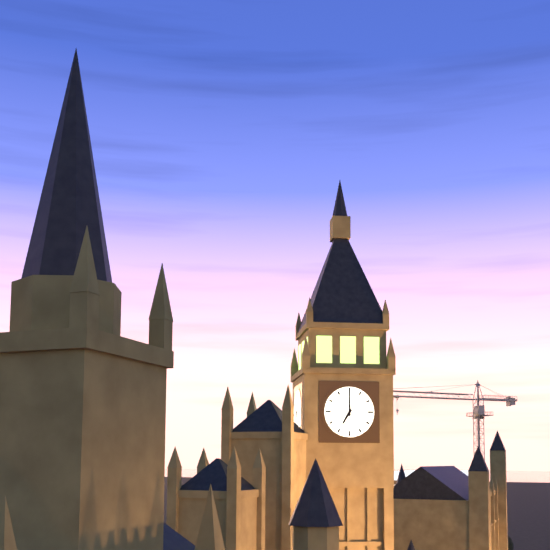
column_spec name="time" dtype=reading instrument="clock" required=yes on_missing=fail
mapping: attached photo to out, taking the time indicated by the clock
7:00
